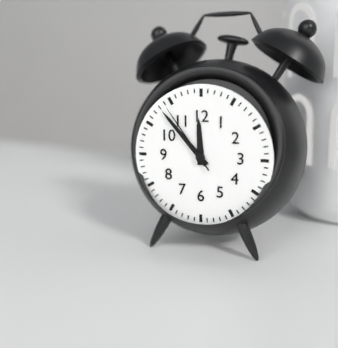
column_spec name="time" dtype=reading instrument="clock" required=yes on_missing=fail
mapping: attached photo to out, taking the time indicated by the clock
11:53:54
